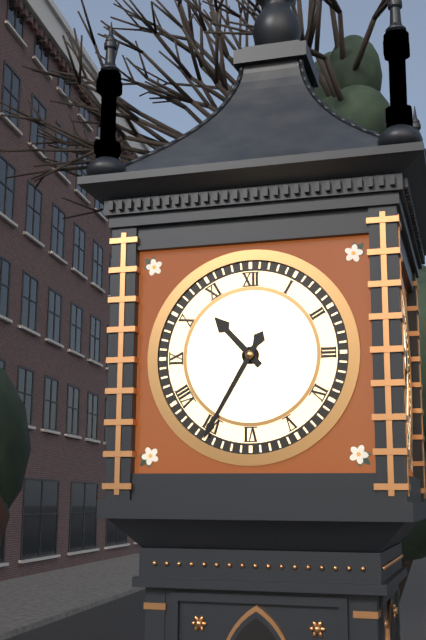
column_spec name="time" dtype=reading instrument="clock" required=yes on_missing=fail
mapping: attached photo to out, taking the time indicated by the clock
10:35
